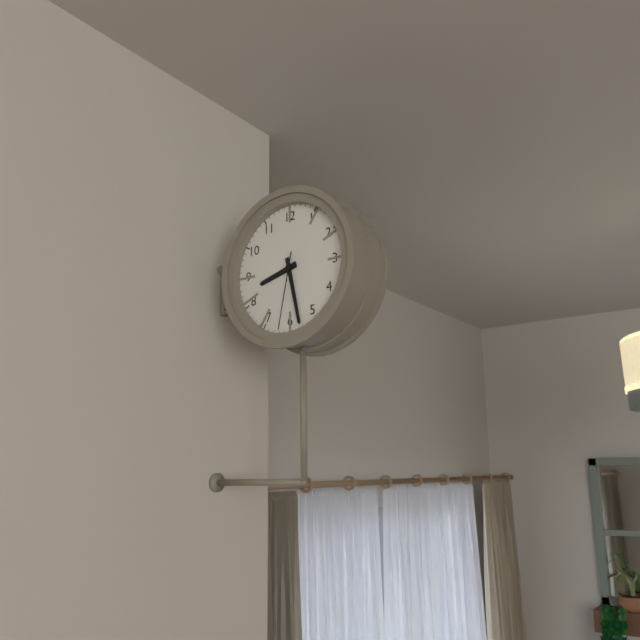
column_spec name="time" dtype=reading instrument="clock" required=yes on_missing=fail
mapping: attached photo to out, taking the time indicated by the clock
8:28:32
